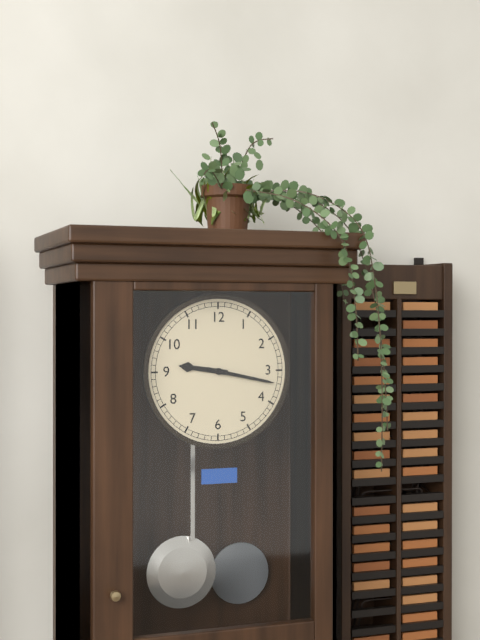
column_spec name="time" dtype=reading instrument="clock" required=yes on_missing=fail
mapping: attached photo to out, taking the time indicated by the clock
9:17
